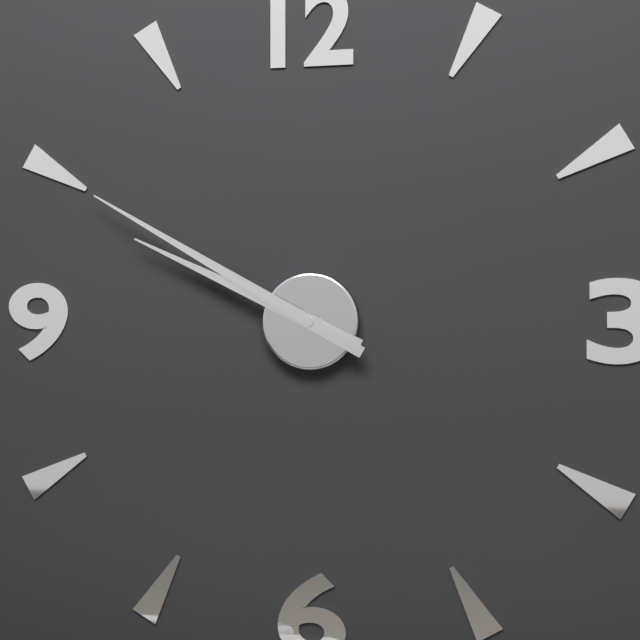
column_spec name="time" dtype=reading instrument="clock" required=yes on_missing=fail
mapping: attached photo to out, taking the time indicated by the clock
9:50
